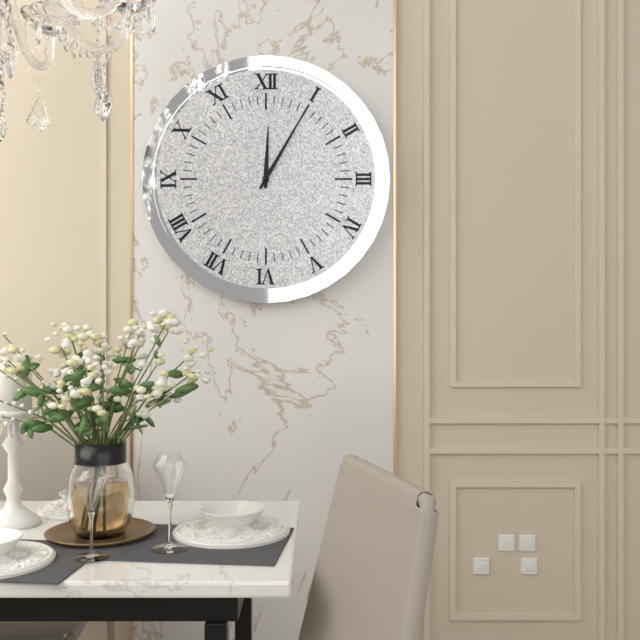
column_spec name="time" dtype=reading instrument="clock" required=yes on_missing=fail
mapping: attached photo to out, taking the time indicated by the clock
12:05
